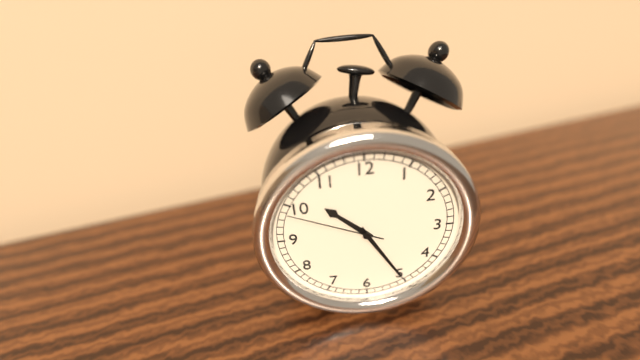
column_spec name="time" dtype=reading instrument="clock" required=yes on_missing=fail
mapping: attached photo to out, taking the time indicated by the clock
10:25:49
